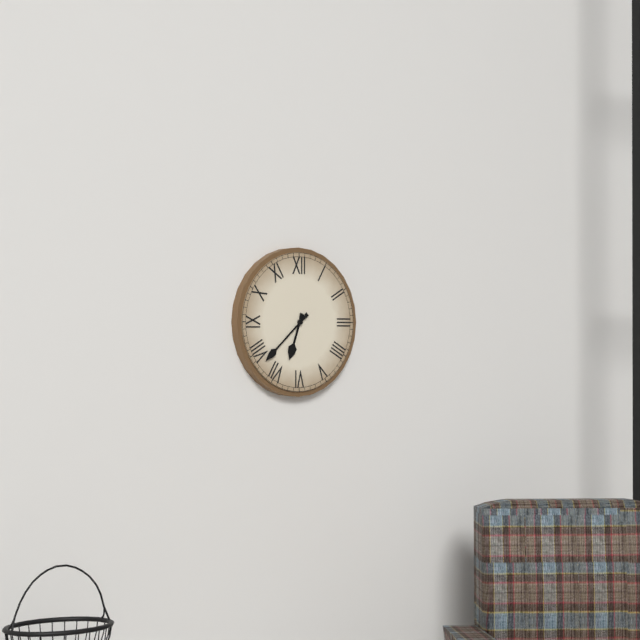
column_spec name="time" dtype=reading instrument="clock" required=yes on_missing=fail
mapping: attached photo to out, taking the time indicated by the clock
6:38
